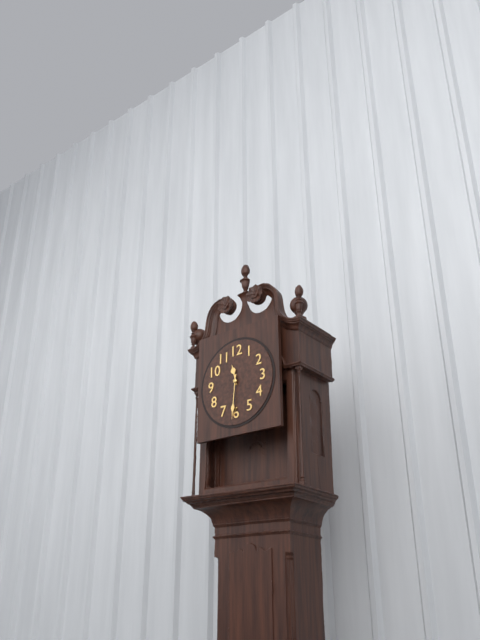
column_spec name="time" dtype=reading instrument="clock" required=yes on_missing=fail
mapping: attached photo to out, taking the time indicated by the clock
11:31
